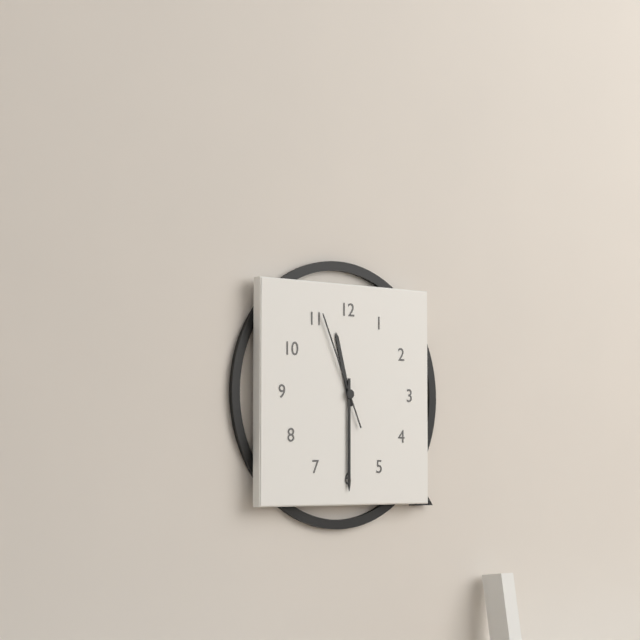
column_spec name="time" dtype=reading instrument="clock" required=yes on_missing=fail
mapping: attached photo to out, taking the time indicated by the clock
11:30:56
